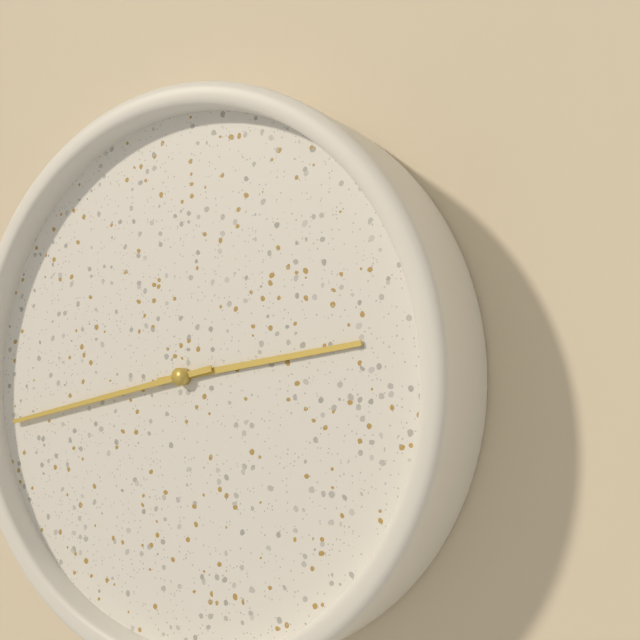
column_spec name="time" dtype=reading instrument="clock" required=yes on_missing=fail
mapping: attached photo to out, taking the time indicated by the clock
2:43
